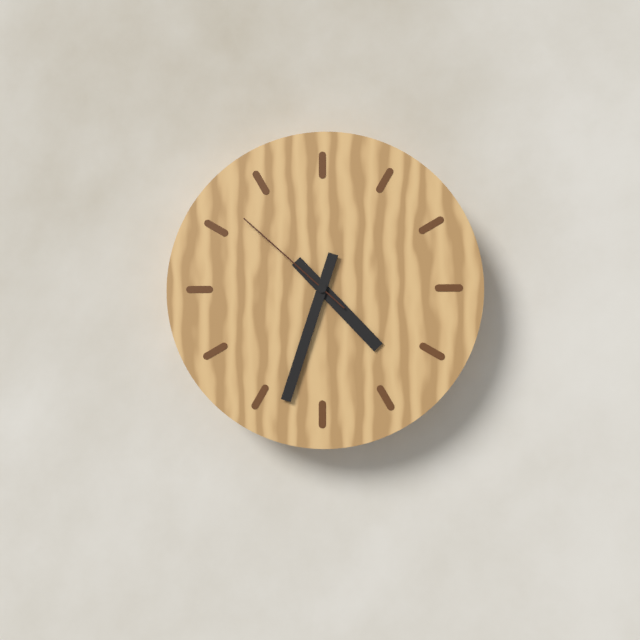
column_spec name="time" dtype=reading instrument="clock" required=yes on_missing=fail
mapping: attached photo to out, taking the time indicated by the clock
4:33:52
